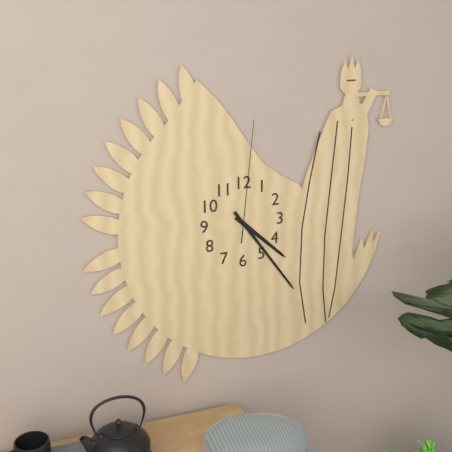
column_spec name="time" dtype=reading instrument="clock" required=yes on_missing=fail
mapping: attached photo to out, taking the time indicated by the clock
4:24:01
